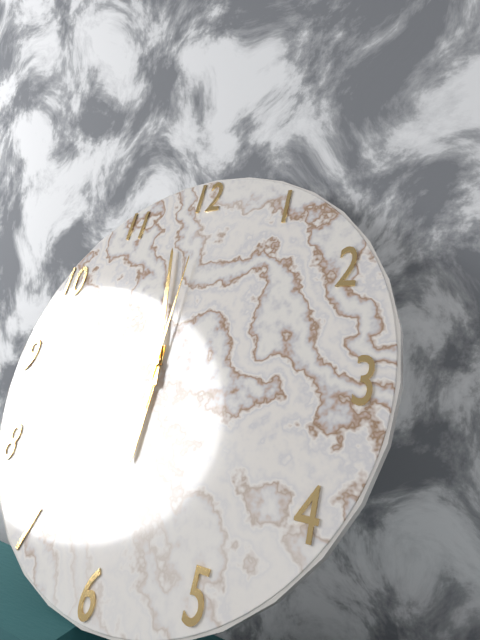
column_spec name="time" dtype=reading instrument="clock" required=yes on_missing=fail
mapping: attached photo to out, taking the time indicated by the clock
5:58:00
